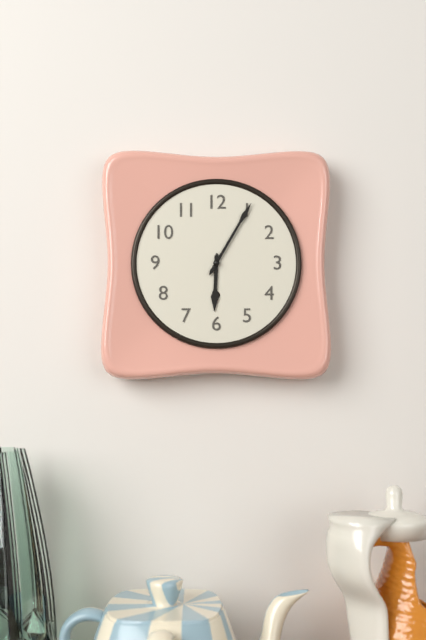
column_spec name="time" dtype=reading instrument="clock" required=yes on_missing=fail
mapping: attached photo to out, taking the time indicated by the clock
6:05
